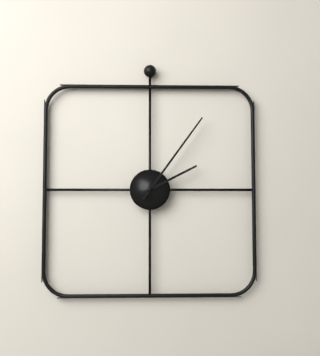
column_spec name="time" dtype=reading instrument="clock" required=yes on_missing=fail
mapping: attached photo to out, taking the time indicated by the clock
2:06
